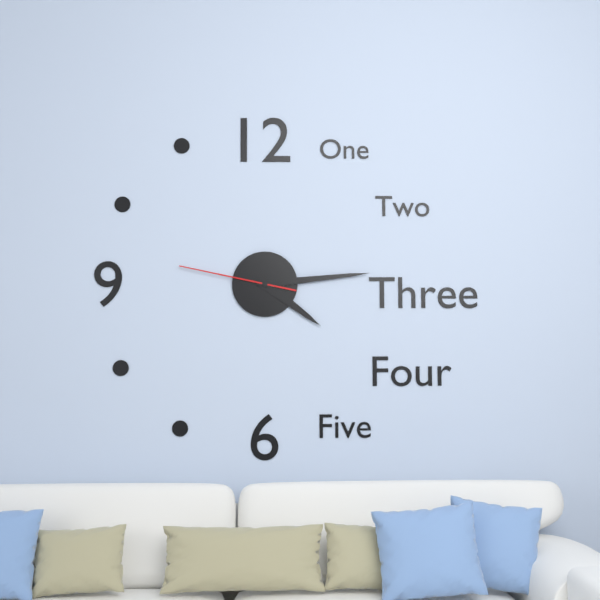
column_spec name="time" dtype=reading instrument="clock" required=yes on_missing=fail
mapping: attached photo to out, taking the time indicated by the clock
4:14:47
